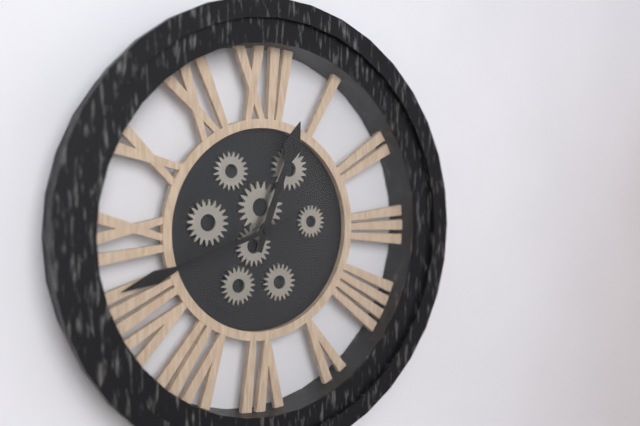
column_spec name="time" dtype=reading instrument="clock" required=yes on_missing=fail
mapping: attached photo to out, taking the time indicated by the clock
12:42
